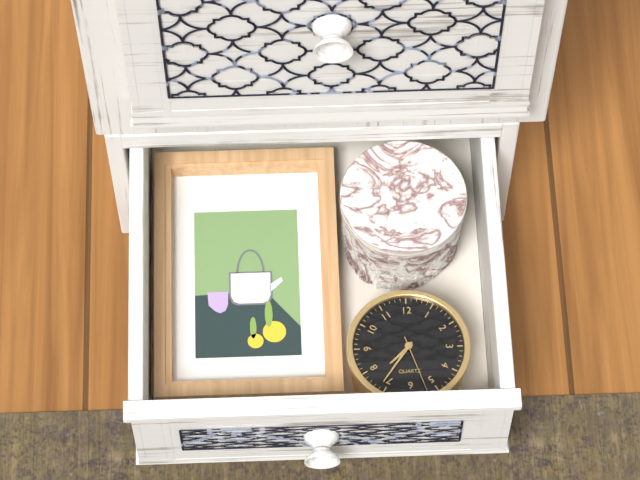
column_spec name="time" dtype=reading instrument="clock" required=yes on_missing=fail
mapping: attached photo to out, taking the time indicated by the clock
7:36:27
